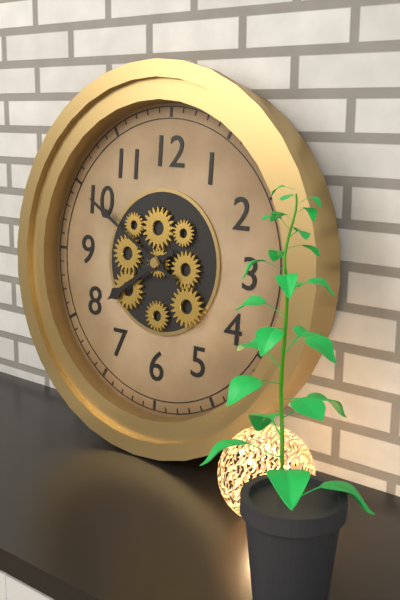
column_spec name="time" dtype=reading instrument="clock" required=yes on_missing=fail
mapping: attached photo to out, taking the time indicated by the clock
7:50
